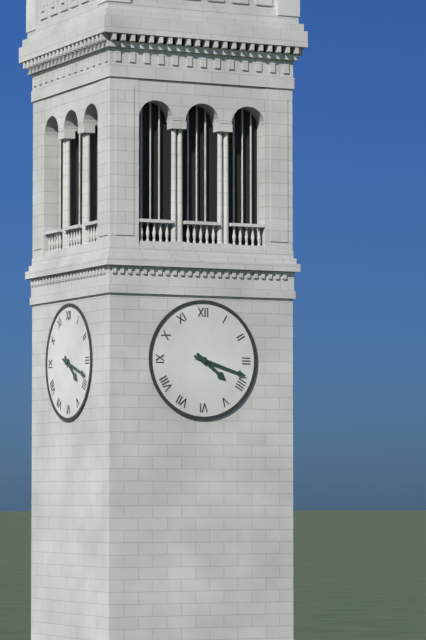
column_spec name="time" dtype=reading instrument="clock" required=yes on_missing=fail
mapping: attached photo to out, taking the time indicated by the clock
4:18
